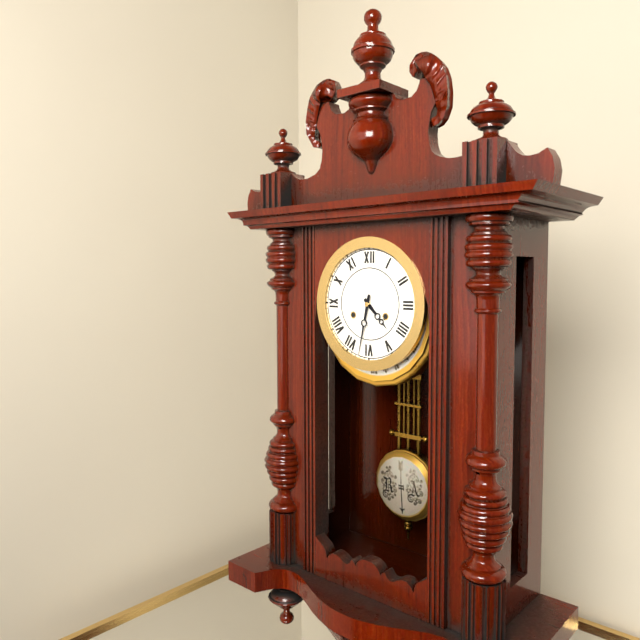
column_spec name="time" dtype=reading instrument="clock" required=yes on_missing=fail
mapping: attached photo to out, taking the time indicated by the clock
4:32
